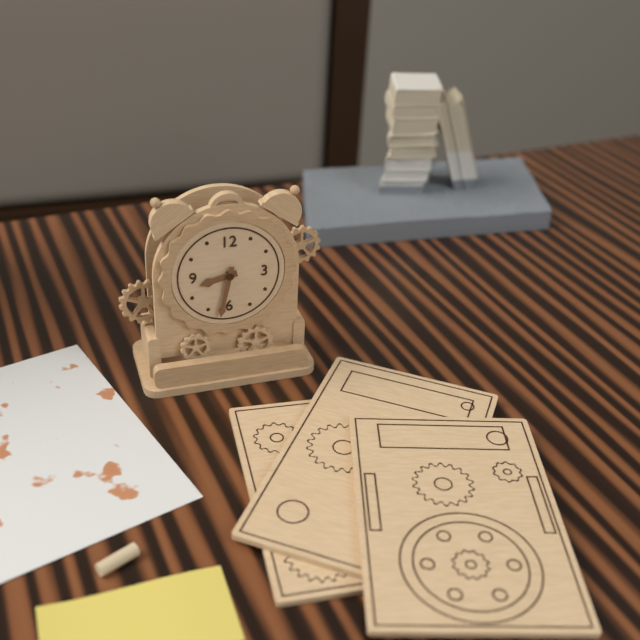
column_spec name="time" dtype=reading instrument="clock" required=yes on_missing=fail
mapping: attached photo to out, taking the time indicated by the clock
8:32
